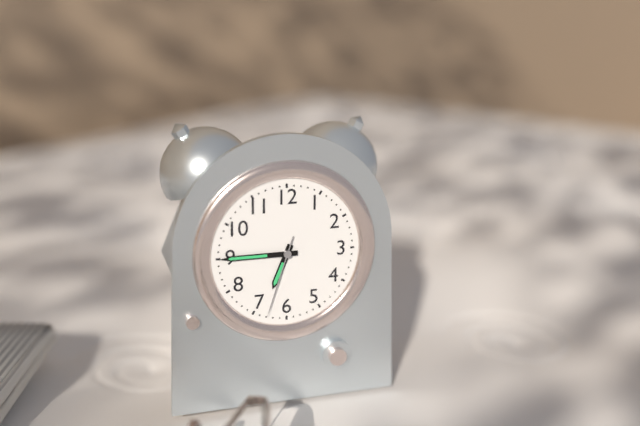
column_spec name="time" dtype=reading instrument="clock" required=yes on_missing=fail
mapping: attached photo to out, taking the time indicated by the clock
6:45:33
